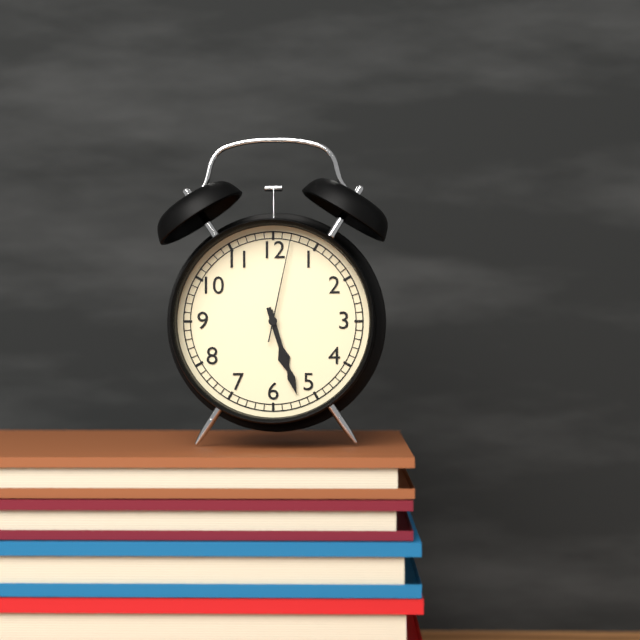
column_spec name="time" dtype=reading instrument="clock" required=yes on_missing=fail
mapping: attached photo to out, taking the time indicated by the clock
5:27:02
